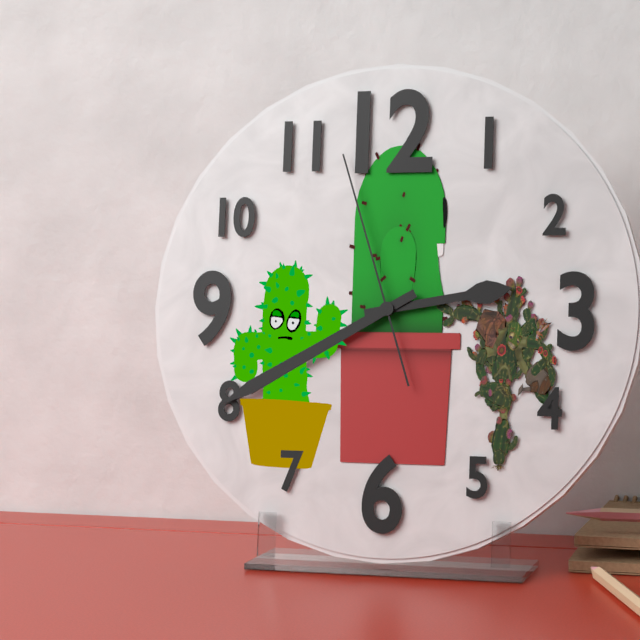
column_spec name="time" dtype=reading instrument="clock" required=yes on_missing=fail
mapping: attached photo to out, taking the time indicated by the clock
2:40:57
